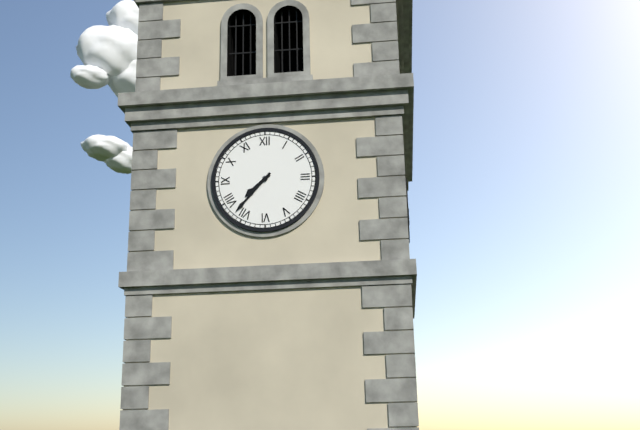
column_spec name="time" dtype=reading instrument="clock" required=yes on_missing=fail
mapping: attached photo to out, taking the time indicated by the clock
7:37
